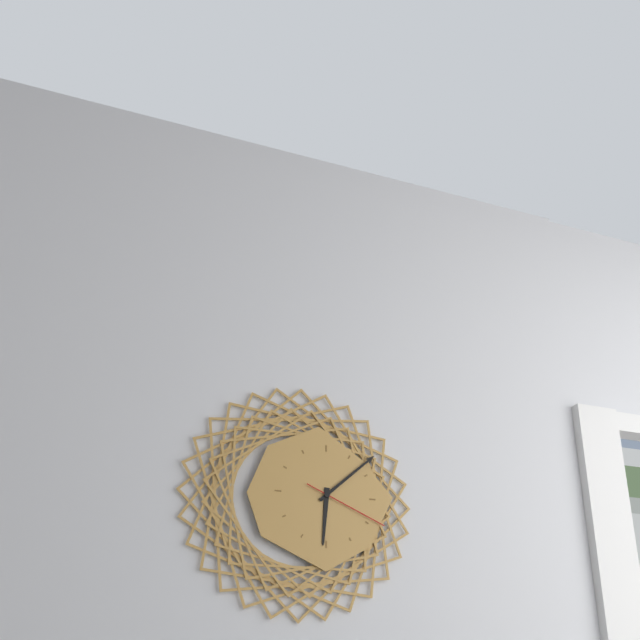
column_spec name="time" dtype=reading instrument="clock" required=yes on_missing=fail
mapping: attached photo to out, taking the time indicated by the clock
6:08:19
